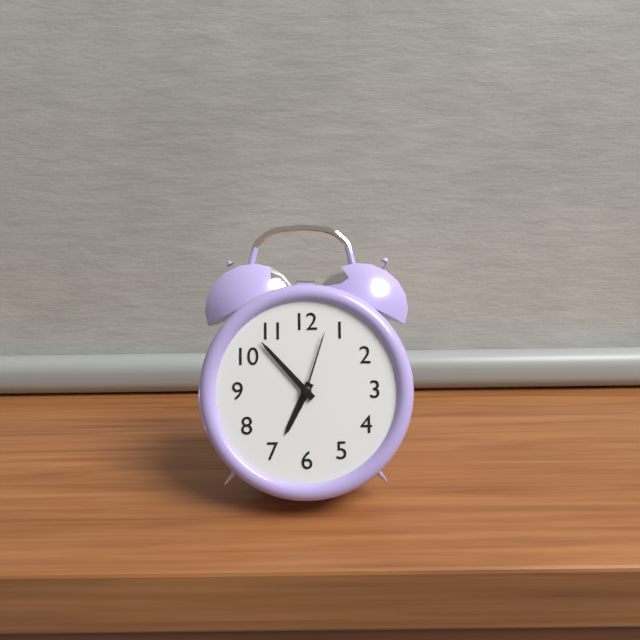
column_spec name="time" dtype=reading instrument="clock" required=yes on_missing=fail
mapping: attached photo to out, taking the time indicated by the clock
6:53:03
